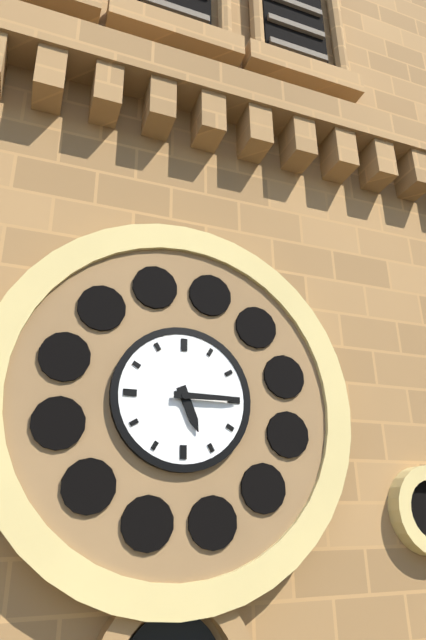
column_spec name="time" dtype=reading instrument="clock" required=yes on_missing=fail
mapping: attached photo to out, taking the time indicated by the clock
5:15
